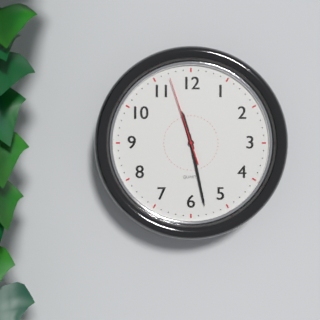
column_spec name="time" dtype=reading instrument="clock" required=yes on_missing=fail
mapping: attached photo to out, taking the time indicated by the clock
11:28:57
